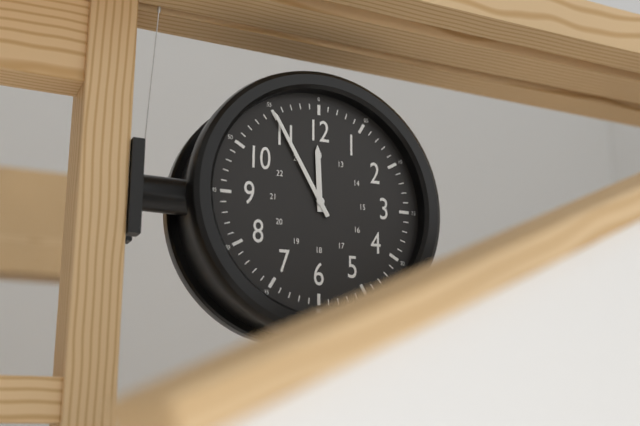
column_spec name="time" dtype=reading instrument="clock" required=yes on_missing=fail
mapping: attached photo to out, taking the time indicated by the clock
11:55
